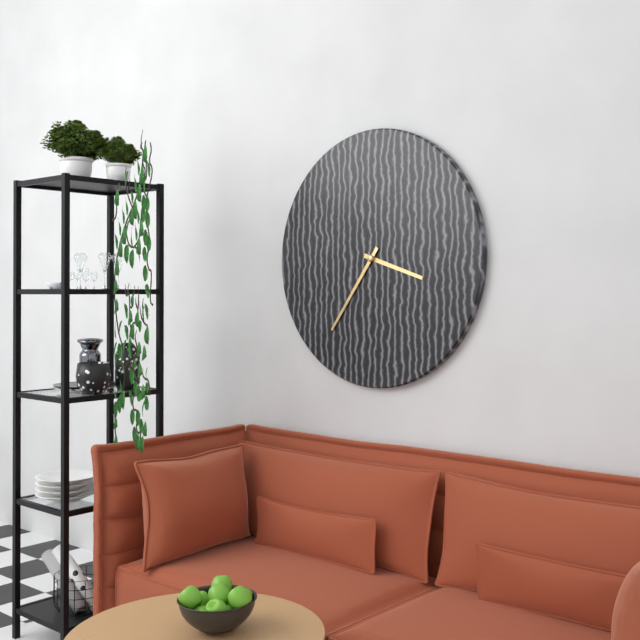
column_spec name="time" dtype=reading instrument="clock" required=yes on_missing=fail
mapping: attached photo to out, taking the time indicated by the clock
3:36
